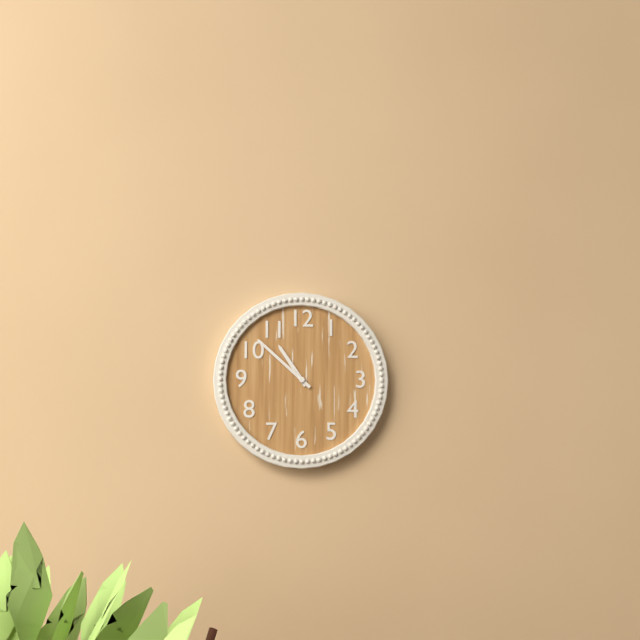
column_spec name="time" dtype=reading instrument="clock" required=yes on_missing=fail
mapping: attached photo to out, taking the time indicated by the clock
10:52
